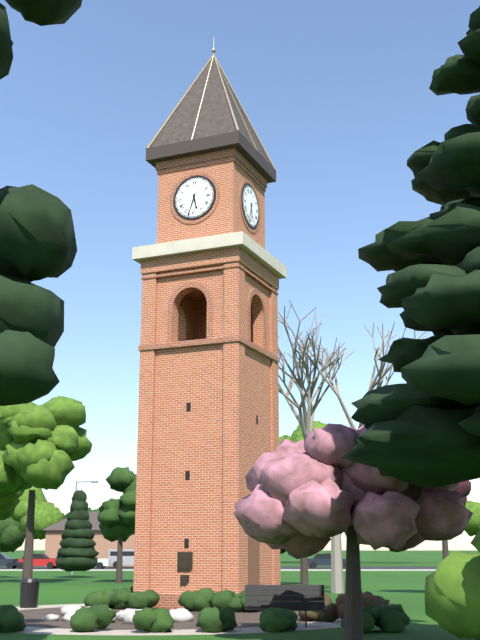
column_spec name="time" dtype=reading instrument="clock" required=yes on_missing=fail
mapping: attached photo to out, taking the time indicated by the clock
5:33
